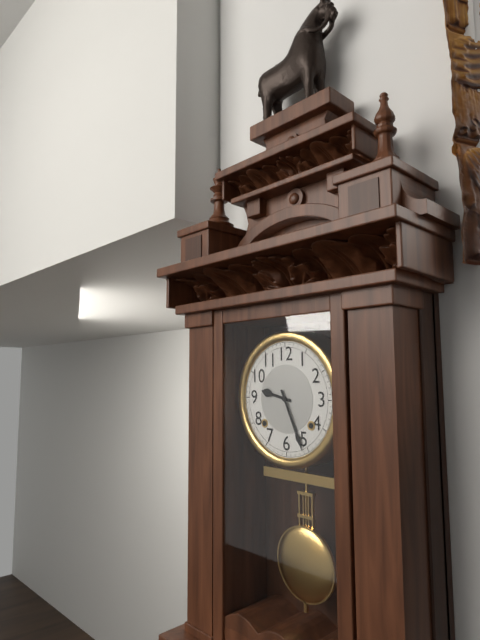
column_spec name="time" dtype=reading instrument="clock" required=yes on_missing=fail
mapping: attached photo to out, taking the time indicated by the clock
9:26
